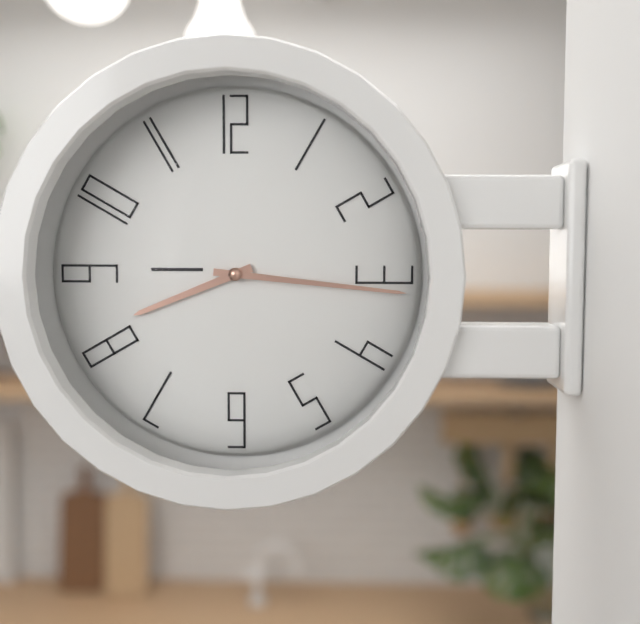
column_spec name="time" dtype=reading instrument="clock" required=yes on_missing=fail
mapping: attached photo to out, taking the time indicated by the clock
8:16
